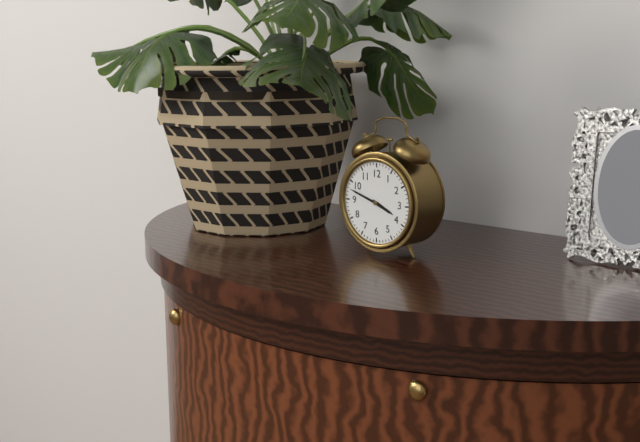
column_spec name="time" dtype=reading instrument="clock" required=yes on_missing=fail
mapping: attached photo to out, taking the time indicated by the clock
3:48
